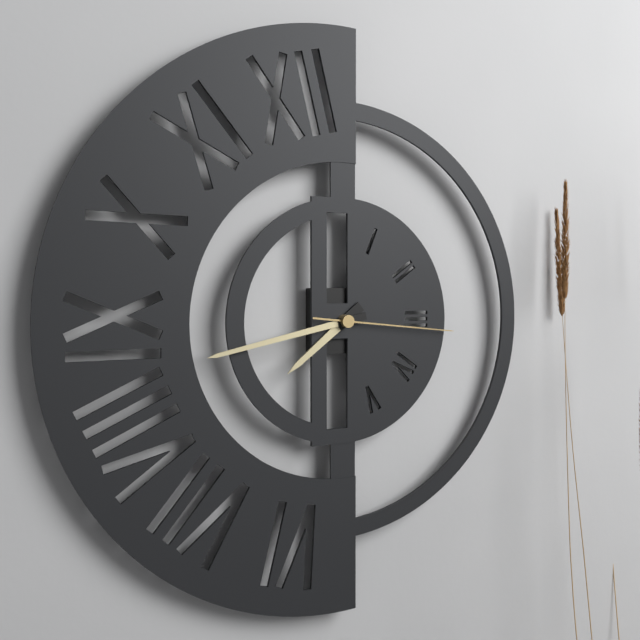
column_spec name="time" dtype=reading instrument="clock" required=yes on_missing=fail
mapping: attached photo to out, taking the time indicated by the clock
7:43:16
